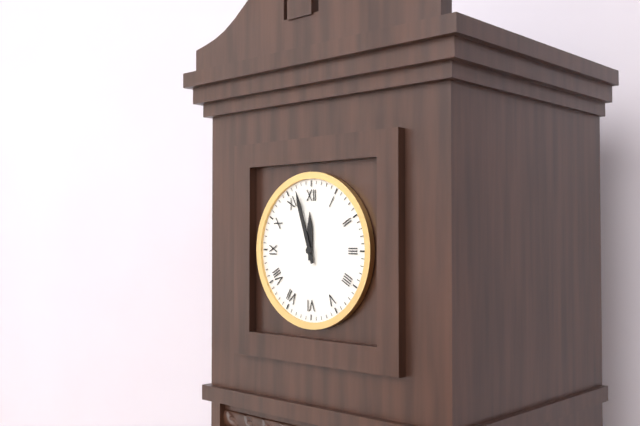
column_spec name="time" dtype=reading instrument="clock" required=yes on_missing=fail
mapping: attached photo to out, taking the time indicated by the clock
11:57
